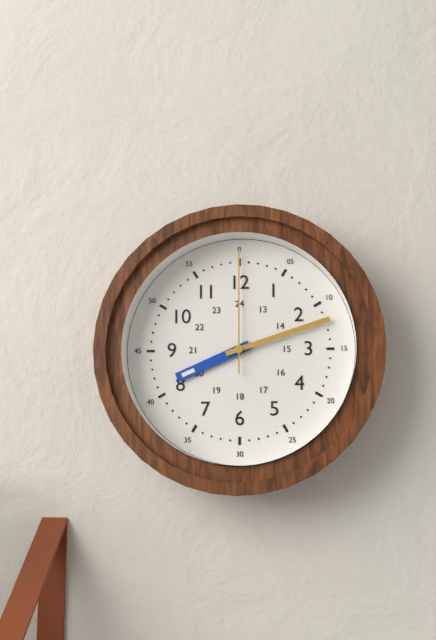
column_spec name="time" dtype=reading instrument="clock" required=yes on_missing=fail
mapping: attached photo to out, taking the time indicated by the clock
8:12:00
